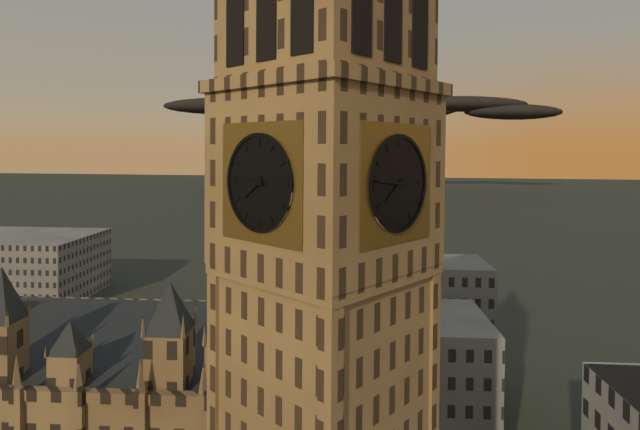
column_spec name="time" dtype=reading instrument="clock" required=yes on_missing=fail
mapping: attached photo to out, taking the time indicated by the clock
7:46
